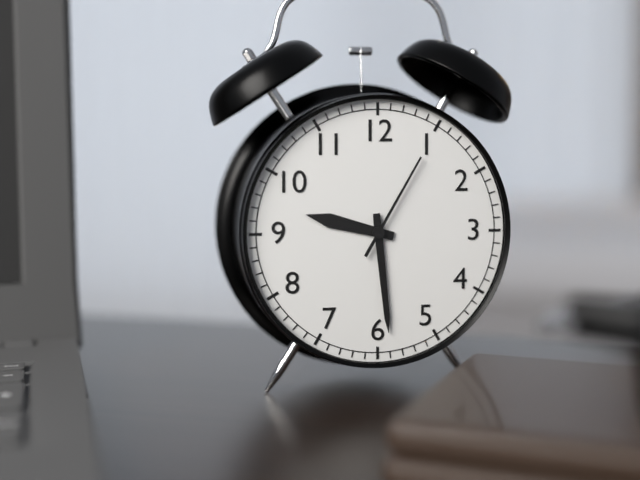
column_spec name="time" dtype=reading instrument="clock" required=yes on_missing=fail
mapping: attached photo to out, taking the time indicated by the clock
9:29:05
